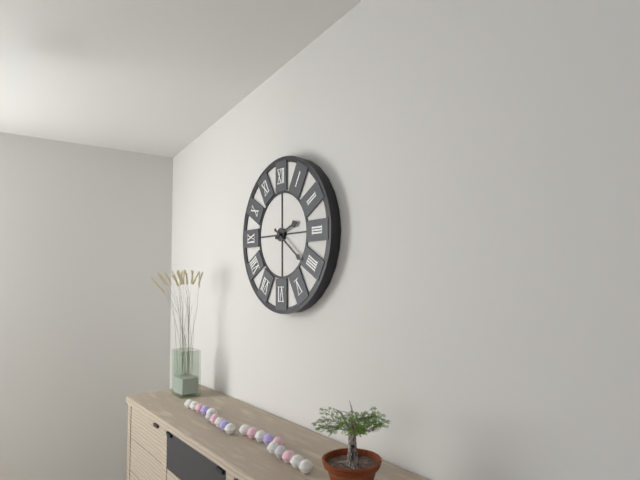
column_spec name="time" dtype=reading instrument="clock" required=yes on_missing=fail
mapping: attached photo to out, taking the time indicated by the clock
2:21
